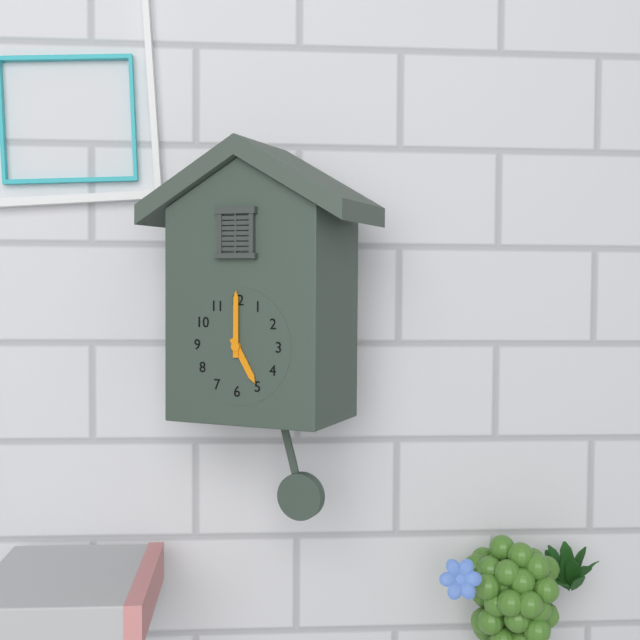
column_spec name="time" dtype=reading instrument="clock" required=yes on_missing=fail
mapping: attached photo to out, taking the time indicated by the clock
5:00
